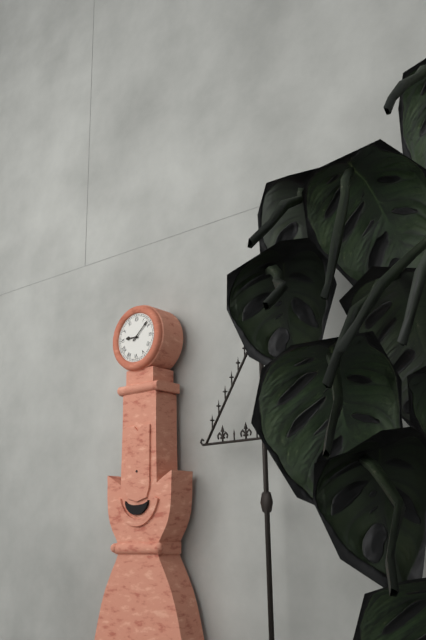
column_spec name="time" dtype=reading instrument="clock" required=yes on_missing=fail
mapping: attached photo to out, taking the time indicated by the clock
9:08
